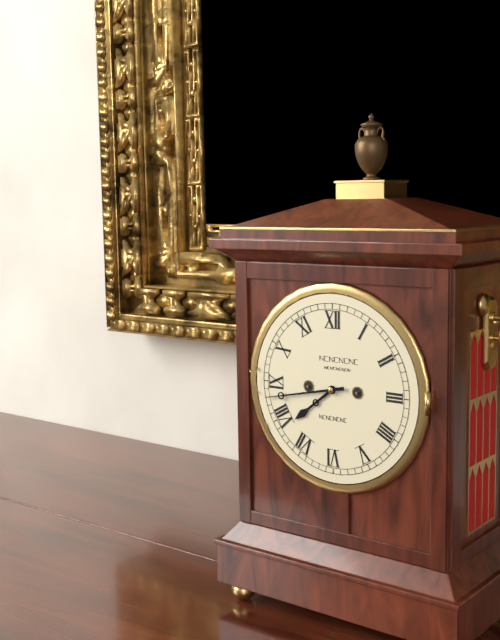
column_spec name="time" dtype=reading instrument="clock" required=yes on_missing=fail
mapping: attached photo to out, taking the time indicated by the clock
7:43
